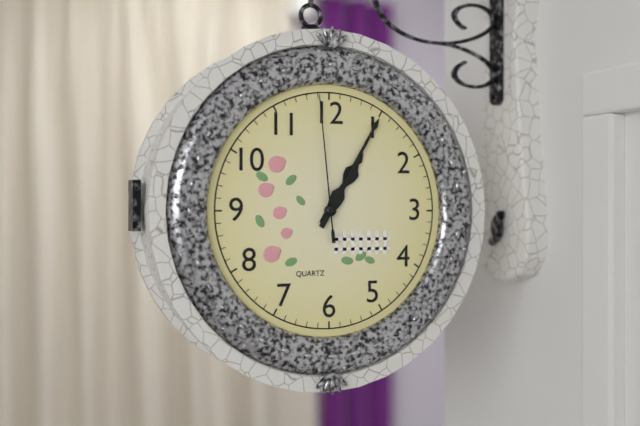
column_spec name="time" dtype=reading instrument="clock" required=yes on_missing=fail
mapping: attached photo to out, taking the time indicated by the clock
1:05:59
